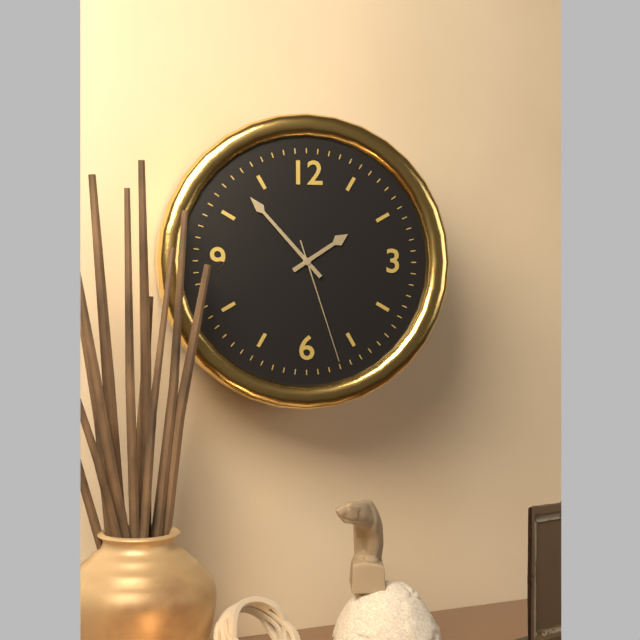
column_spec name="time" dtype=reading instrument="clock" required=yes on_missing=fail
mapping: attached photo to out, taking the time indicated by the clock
1:53:27
